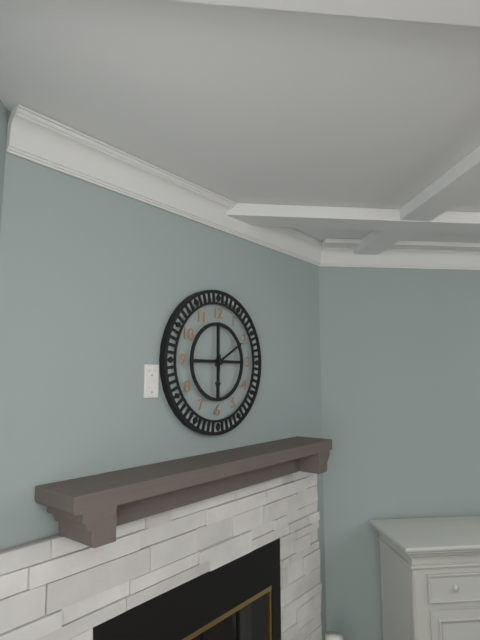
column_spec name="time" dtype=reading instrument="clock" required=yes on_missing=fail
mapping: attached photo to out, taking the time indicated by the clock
6:10
